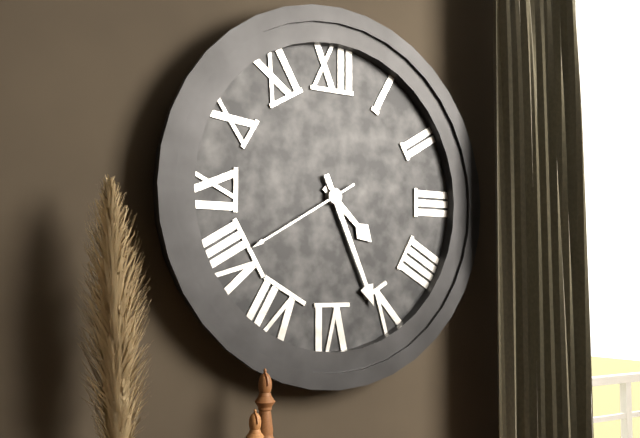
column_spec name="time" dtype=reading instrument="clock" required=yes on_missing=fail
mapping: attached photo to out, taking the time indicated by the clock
4:26:40
